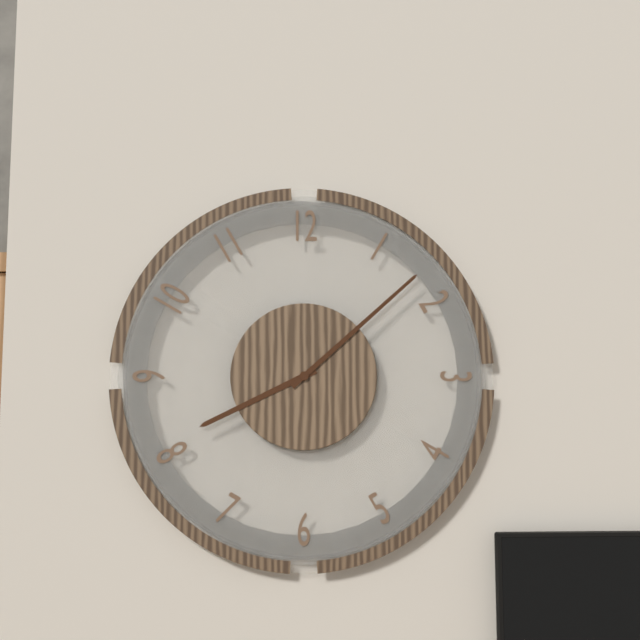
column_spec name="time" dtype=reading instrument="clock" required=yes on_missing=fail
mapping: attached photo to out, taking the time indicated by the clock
8:08
